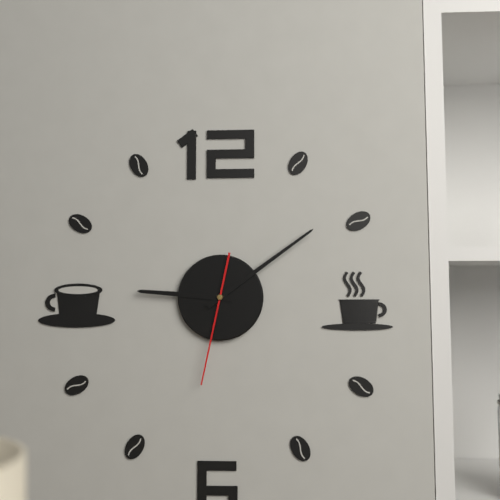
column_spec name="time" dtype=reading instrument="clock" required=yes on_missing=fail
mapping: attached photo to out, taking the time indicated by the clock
9:09:32
